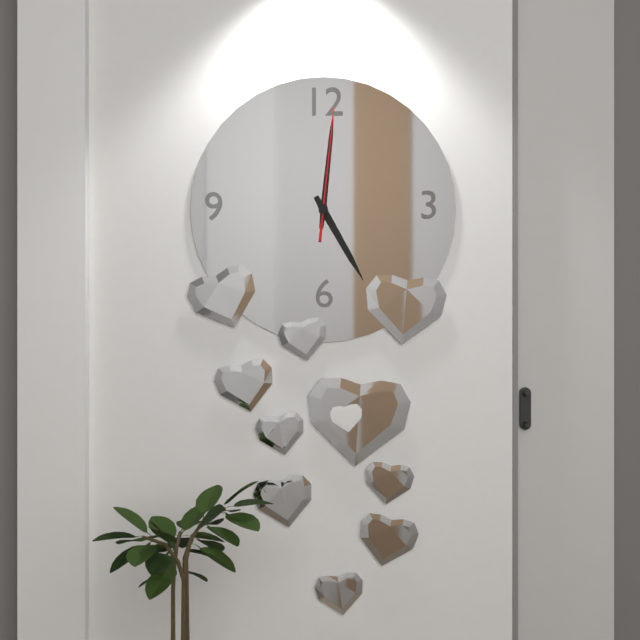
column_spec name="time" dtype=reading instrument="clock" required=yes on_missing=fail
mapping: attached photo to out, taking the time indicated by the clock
5:01:01
